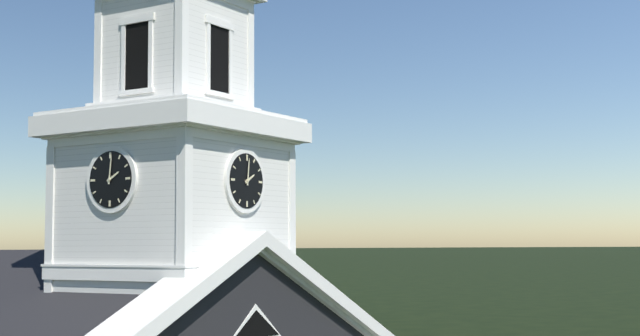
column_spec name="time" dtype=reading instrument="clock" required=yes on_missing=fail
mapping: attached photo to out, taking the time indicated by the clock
2:01
